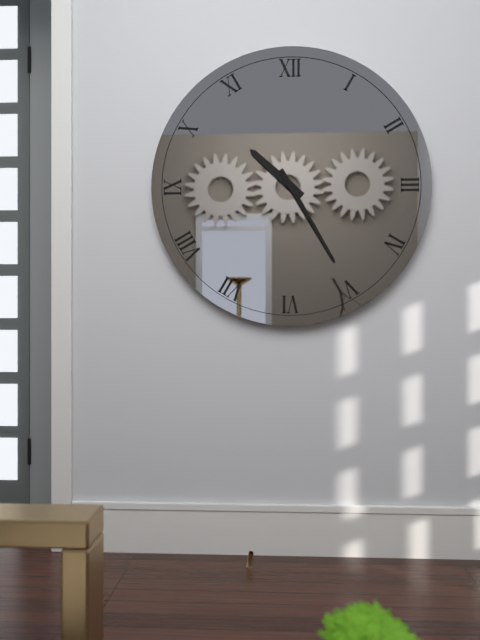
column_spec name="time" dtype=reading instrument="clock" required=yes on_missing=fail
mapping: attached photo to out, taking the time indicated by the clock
10:25
